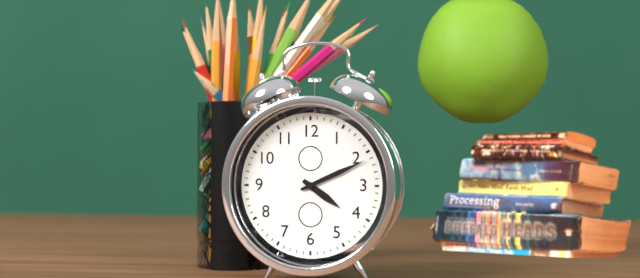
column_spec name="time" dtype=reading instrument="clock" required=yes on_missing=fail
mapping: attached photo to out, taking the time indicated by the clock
4:11
